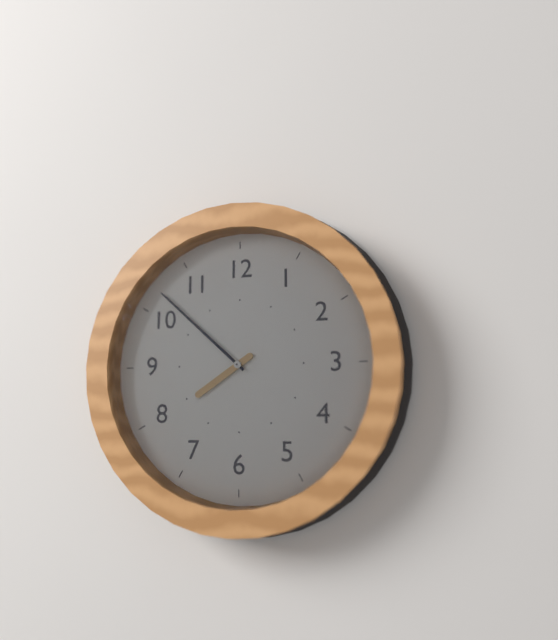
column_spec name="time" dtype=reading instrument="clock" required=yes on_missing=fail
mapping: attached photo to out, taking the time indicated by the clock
7:52
